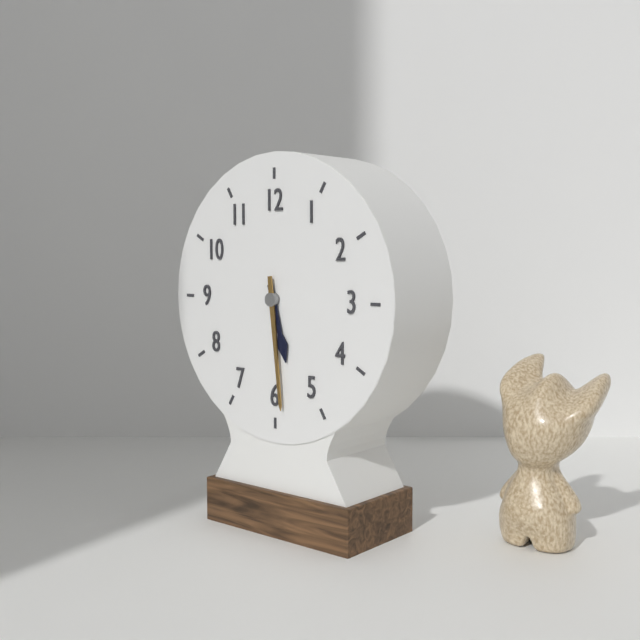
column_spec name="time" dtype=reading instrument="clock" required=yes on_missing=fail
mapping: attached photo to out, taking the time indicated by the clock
5:29
